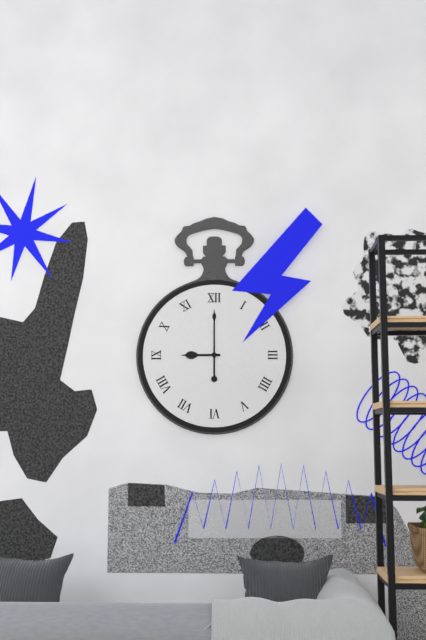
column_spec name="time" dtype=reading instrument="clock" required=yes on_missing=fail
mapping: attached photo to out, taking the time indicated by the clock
9:00
